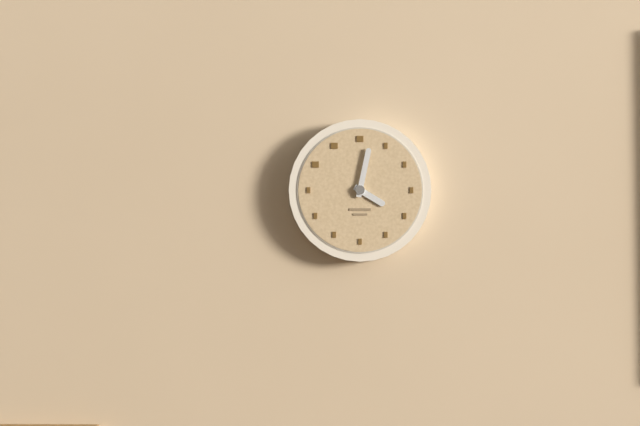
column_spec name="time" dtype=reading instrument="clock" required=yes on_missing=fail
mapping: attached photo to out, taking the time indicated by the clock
4:02
